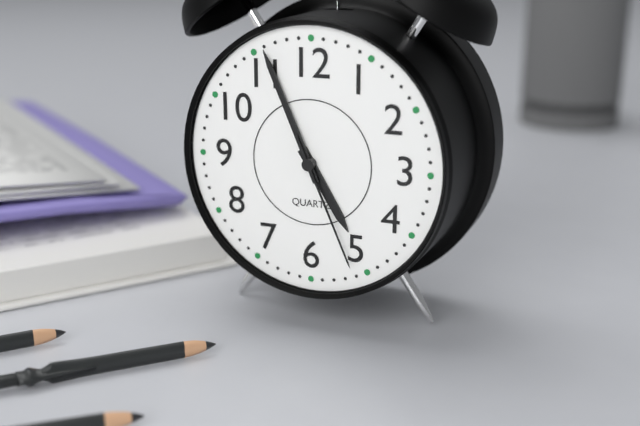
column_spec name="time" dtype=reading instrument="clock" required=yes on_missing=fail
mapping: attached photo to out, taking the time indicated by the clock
4:56:26
